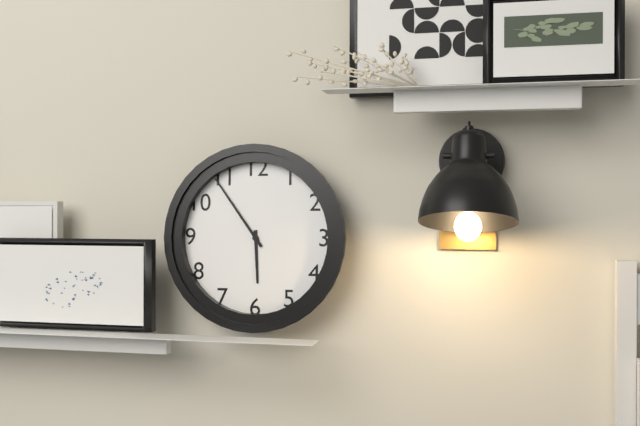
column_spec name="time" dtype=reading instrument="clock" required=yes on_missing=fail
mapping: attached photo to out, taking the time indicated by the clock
5:54
